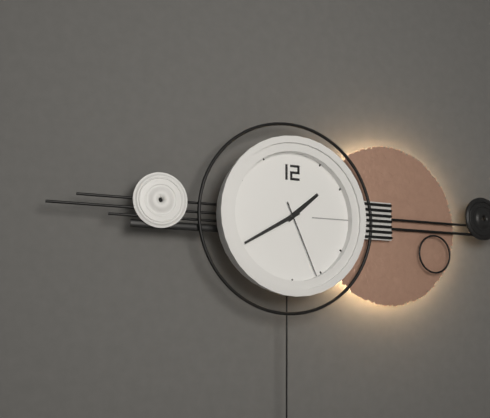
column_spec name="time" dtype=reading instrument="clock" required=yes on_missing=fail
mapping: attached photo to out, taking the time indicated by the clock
1:40:26
